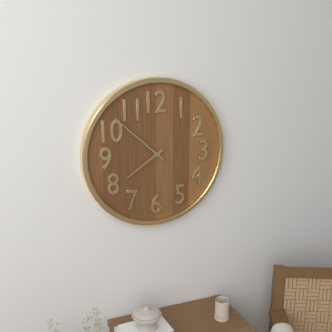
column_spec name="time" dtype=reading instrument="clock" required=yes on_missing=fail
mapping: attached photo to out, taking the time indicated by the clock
7:52
